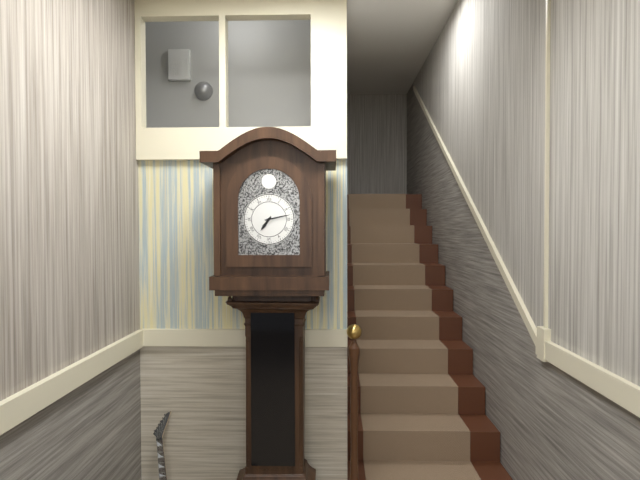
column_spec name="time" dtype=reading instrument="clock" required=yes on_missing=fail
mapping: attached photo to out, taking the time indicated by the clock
7:13
